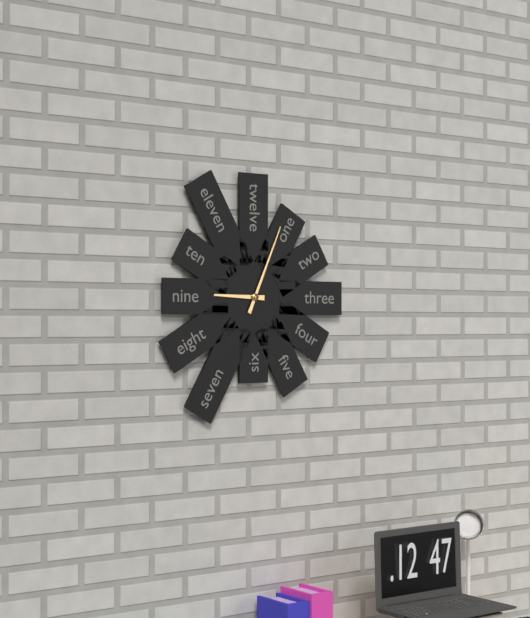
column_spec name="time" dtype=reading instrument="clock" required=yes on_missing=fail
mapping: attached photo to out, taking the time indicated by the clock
9:04
